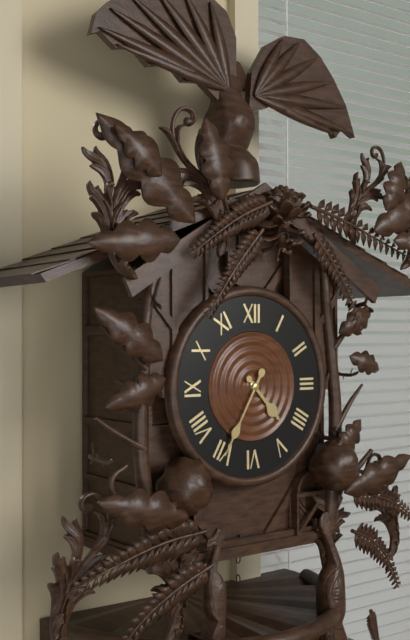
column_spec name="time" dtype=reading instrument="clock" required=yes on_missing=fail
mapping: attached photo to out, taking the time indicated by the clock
4:35
